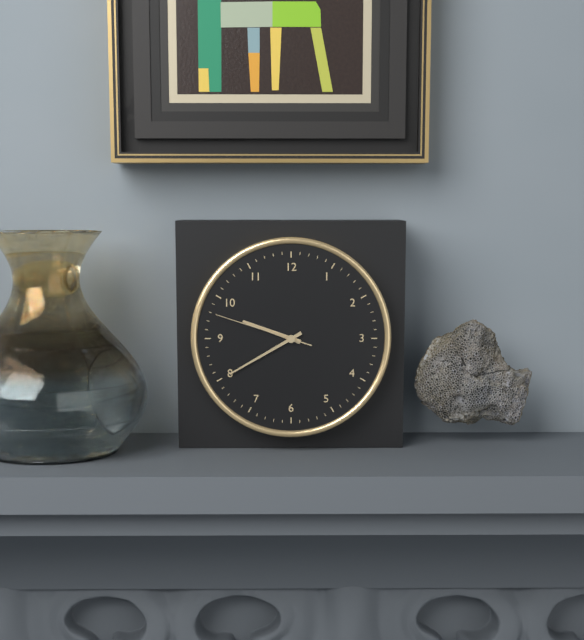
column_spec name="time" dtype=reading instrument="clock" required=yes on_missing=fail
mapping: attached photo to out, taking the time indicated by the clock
9:40:48
